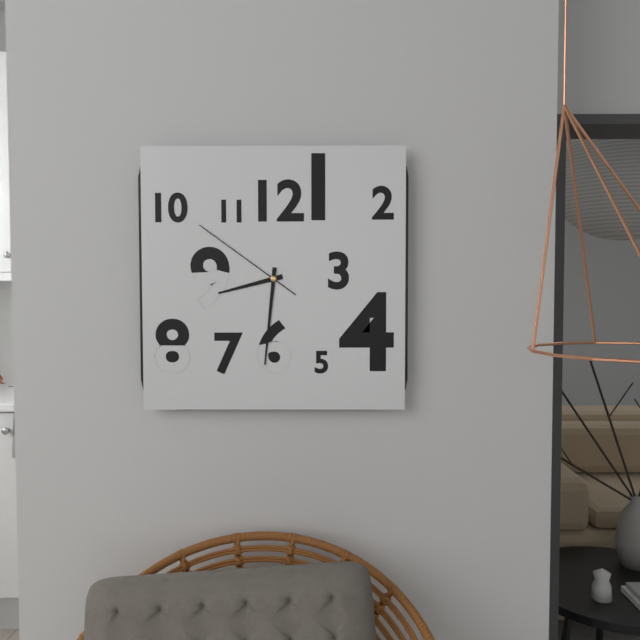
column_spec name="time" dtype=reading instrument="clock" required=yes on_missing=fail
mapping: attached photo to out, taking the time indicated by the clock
8:31:51
